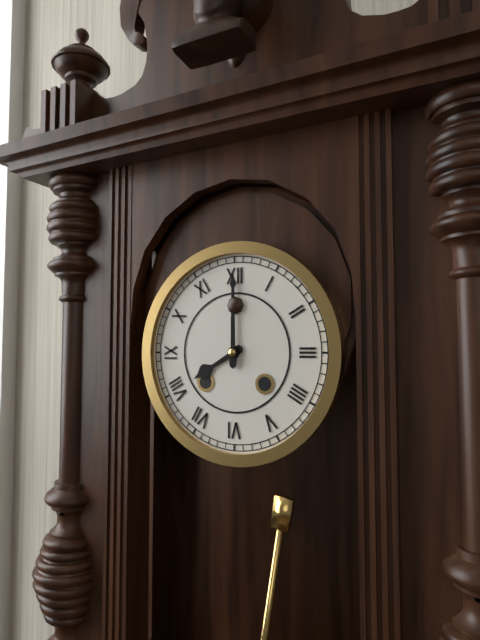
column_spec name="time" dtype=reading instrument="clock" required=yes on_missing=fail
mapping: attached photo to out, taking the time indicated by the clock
8:00
